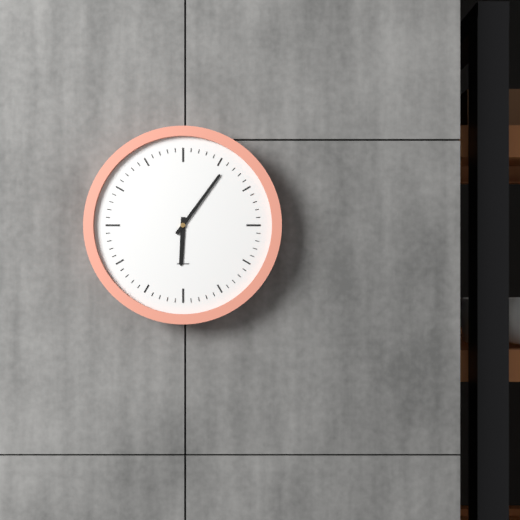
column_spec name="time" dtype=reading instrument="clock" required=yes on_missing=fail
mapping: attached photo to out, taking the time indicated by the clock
6:06
